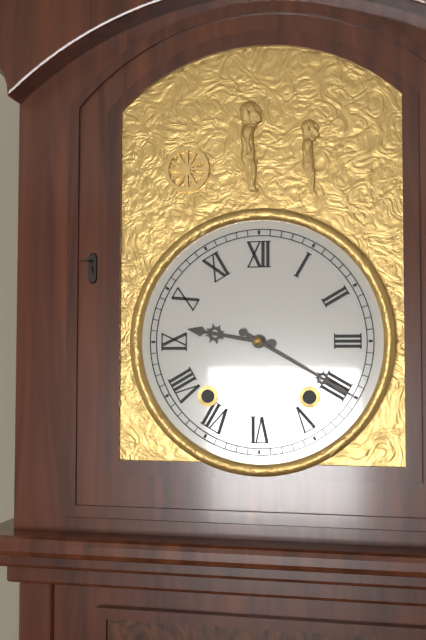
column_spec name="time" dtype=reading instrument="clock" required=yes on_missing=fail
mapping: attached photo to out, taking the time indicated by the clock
9:20
